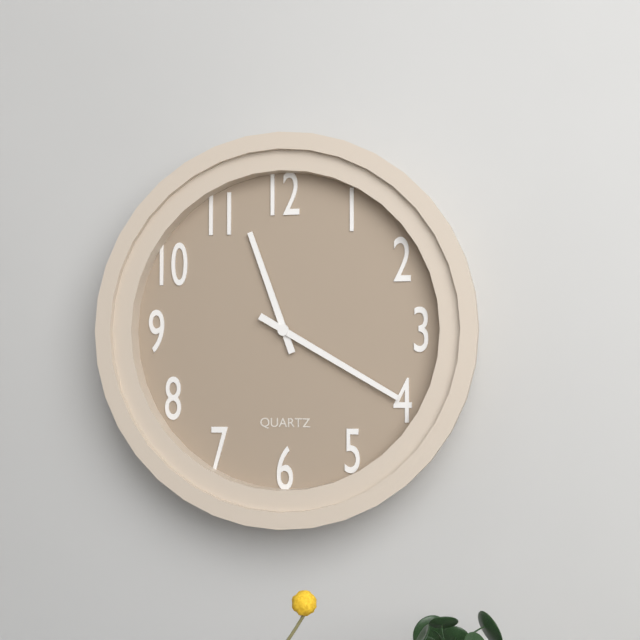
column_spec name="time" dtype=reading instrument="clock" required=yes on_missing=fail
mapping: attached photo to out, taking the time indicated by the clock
11:20
